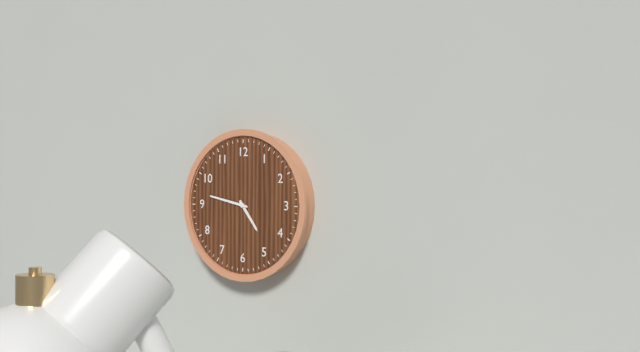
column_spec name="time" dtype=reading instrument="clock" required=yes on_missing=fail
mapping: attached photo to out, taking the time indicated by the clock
4:47
